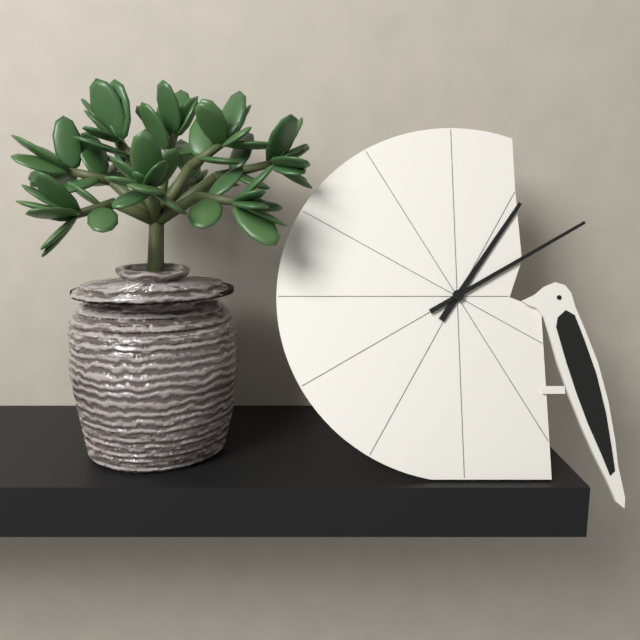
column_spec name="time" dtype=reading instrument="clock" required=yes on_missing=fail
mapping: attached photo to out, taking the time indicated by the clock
1:10
